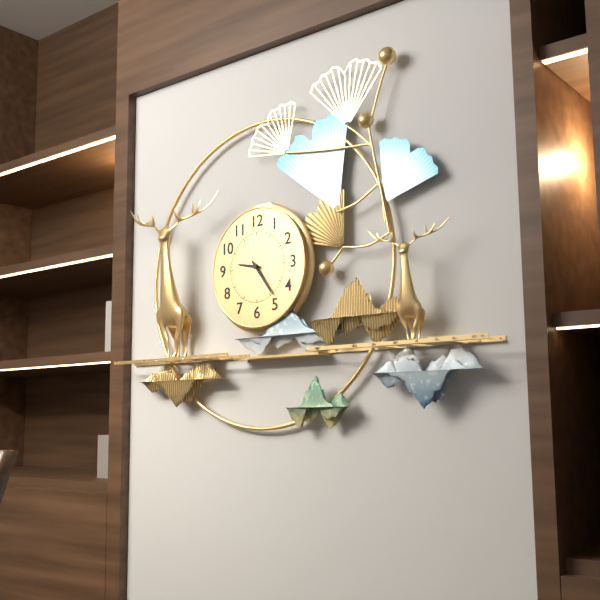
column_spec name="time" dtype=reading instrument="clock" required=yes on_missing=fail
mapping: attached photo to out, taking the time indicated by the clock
9:24
